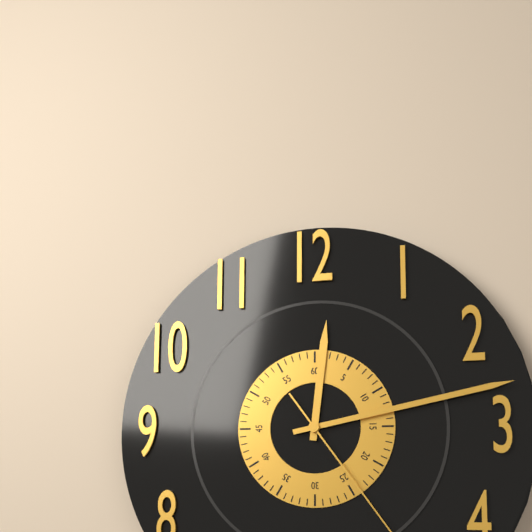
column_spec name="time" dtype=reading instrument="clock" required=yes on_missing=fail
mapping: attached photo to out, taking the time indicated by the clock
12:13
